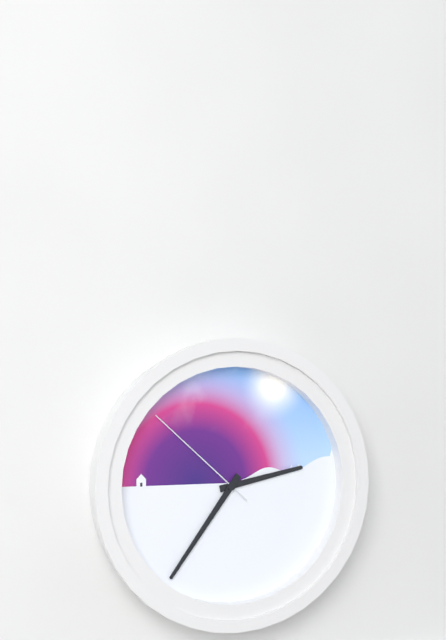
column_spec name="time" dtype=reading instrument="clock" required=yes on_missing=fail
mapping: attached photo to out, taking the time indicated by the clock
2:36:52
